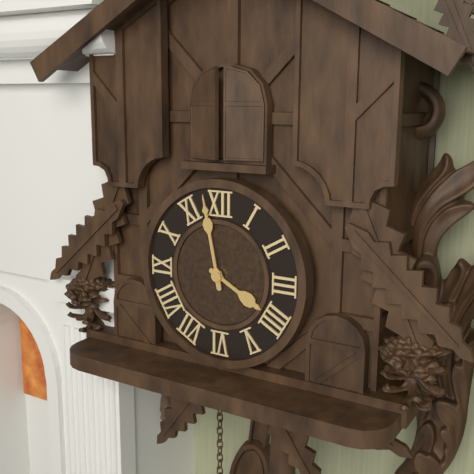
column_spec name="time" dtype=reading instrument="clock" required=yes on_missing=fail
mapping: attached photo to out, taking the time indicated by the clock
3:58
